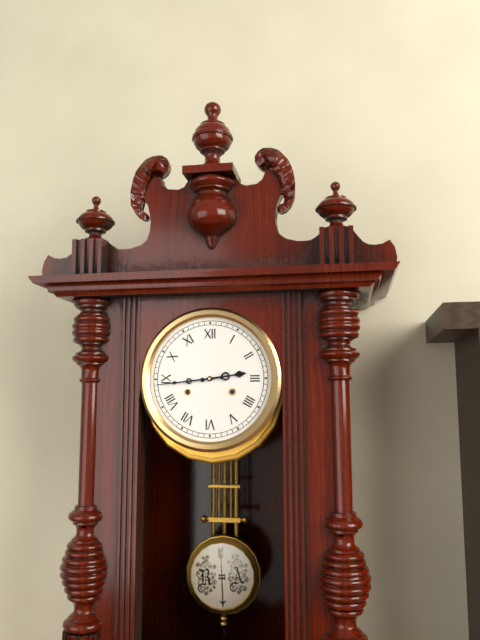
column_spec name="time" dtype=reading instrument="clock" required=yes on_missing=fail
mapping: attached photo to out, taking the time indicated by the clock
2:44
